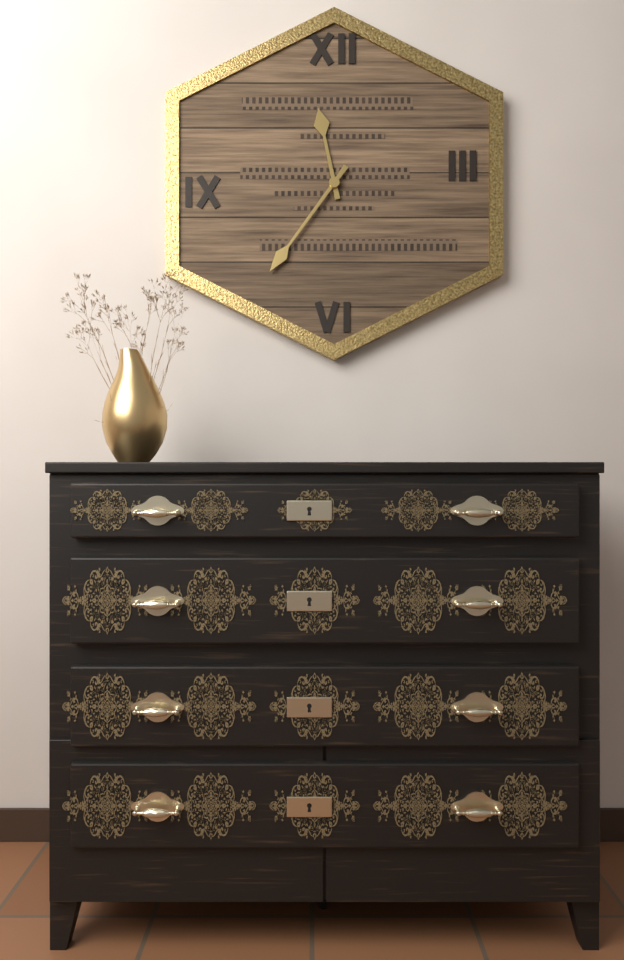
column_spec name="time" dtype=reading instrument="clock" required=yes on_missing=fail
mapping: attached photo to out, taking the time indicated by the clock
11:36
